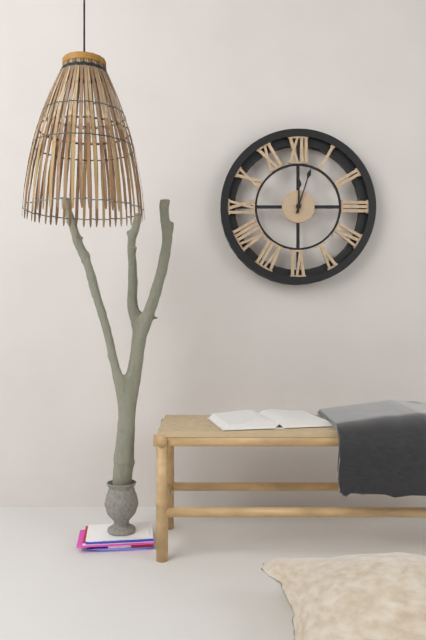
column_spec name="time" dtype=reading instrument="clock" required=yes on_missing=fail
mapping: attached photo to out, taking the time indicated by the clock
12:03
